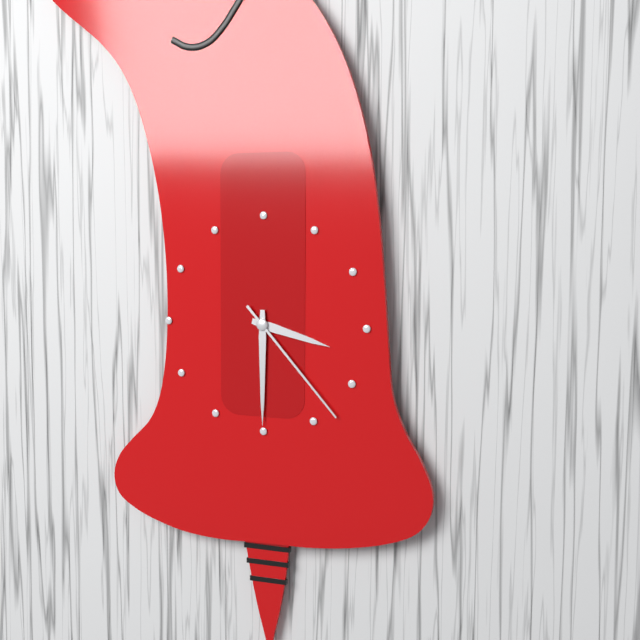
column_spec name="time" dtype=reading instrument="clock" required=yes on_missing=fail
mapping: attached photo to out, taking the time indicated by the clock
3:30:23
